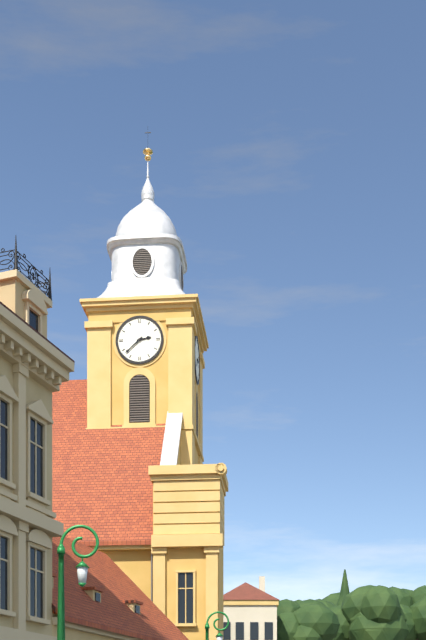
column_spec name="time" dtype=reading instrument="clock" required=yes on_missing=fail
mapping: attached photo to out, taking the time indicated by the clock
2:38
